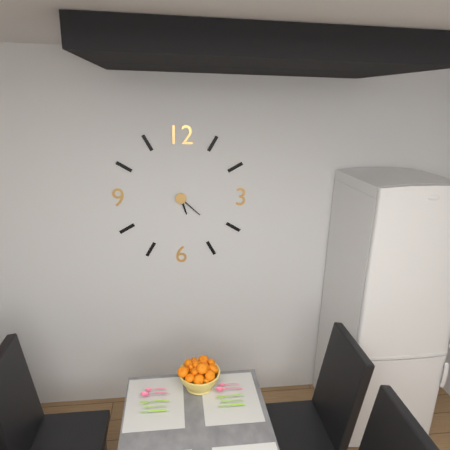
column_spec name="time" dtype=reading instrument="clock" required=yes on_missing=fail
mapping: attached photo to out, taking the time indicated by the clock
5:22
